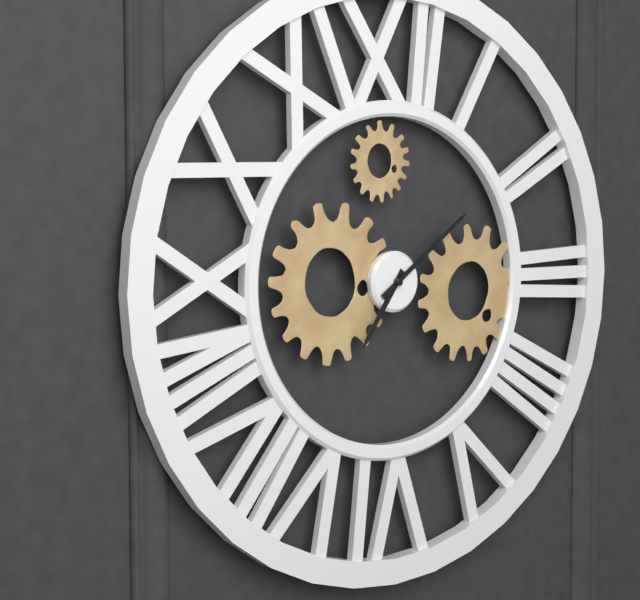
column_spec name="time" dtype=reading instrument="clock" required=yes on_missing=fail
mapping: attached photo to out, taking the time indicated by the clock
7:09
